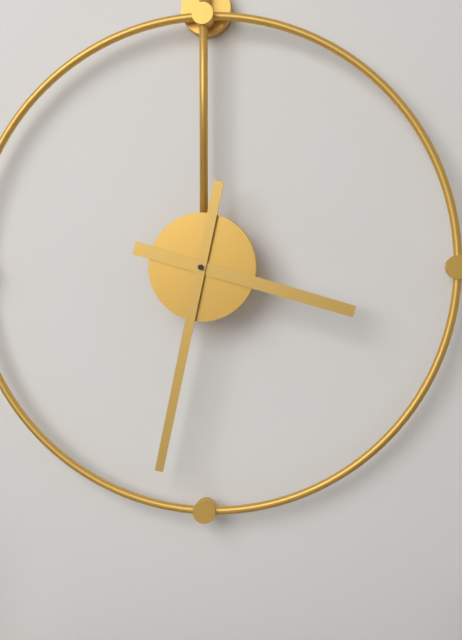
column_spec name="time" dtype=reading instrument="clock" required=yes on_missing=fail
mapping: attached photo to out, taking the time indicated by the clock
3:32
